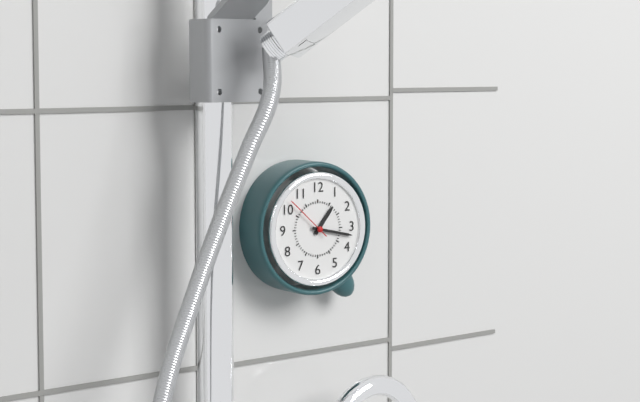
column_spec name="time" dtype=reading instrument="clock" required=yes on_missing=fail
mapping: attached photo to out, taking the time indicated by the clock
1:17:52
